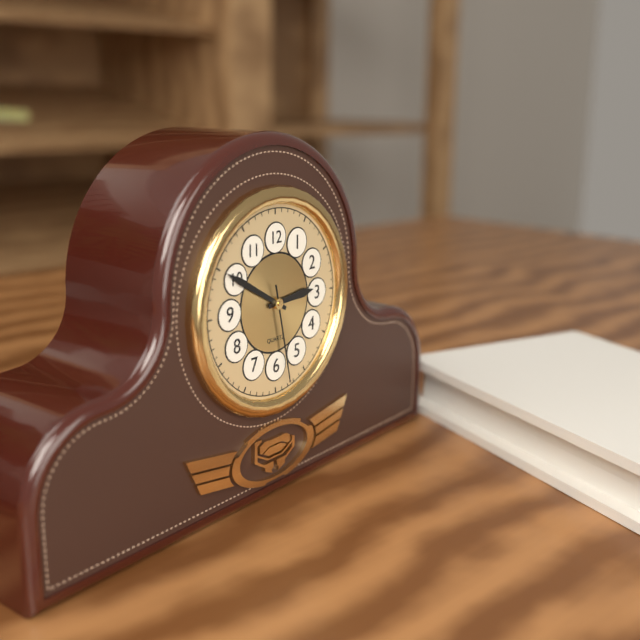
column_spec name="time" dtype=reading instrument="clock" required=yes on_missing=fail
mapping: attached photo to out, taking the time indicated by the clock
2:50:28
